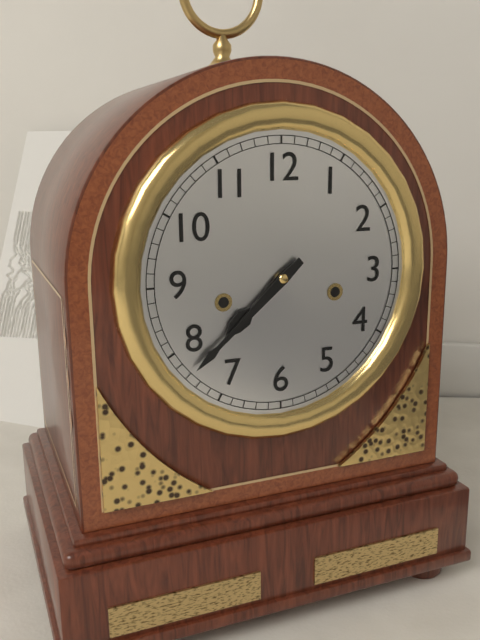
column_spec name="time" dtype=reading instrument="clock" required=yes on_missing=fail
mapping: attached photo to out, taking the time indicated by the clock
7:38
